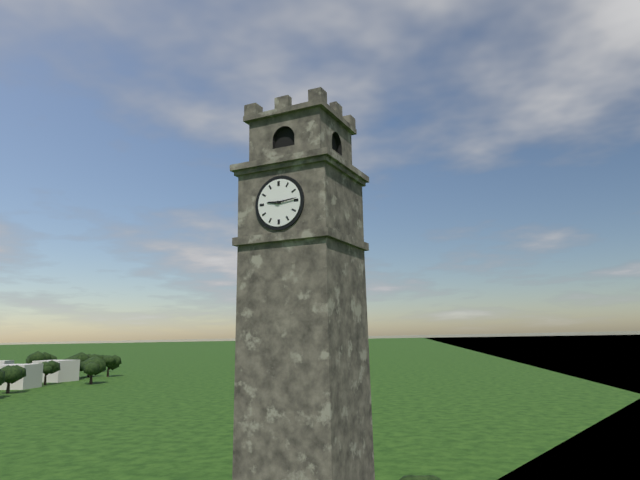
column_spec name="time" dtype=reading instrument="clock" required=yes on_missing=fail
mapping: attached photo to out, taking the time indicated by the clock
9:14
